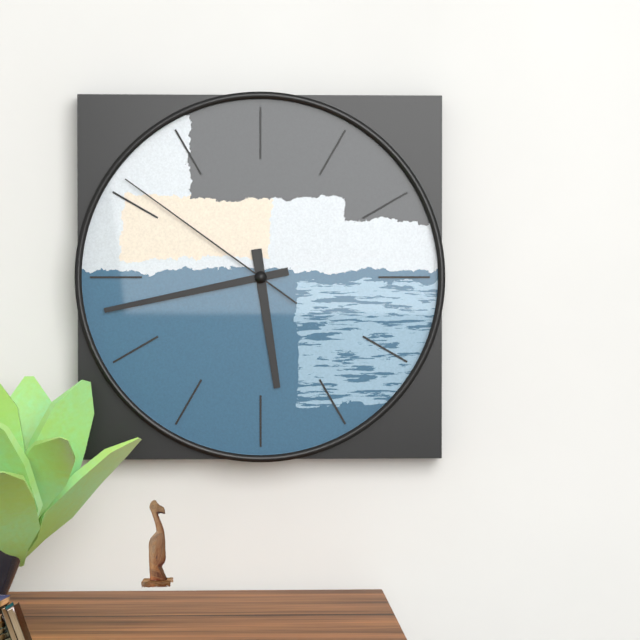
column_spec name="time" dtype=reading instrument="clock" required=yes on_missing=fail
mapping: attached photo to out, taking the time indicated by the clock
5:43:51
